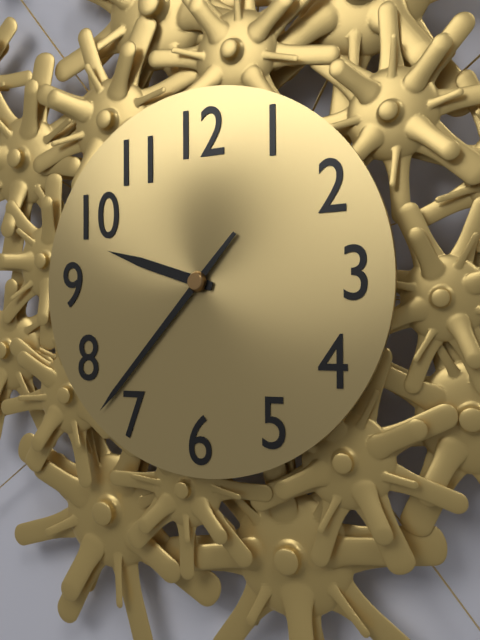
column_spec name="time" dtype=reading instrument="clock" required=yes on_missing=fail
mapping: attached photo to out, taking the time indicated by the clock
9:37
